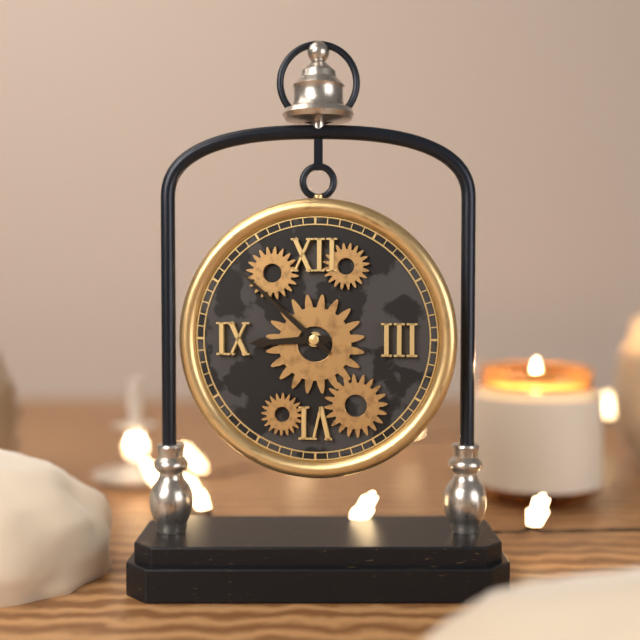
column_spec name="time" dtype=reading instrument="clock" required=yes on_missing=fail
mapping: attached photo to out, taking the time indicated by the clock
8:52
